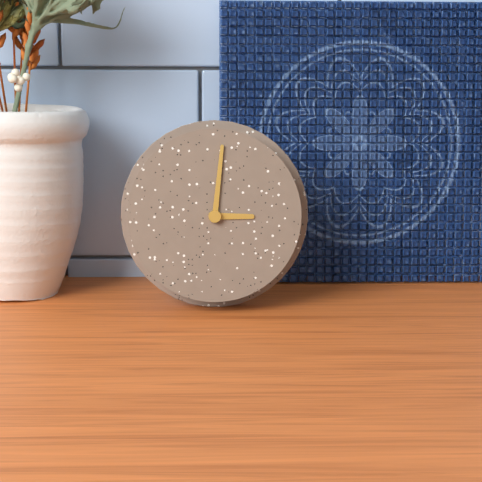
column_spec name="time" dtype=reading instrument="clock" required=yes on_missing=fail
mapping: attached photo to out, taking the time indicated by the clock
3:01
